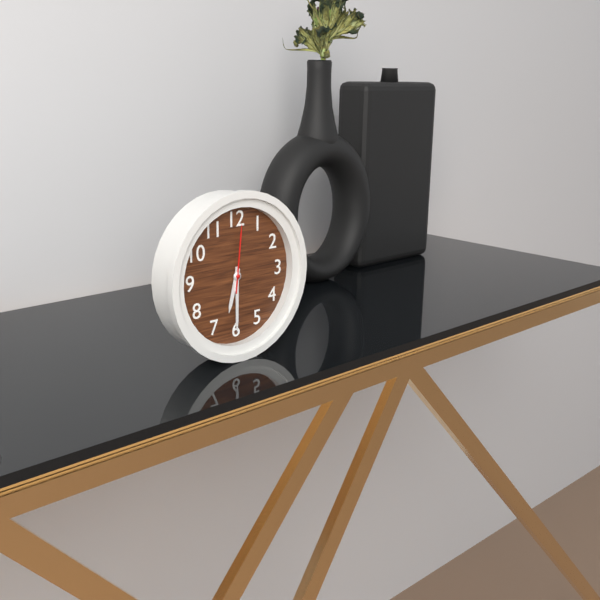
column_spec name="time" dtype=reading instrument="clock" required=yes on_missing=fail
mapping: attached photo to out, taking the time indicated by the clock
6:30:01
